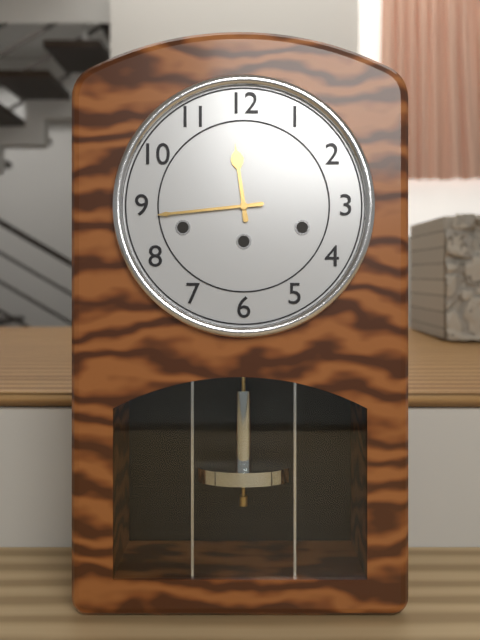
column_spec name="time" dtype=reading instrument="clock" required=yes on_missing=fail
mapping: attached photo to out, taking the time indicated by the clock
11:44
